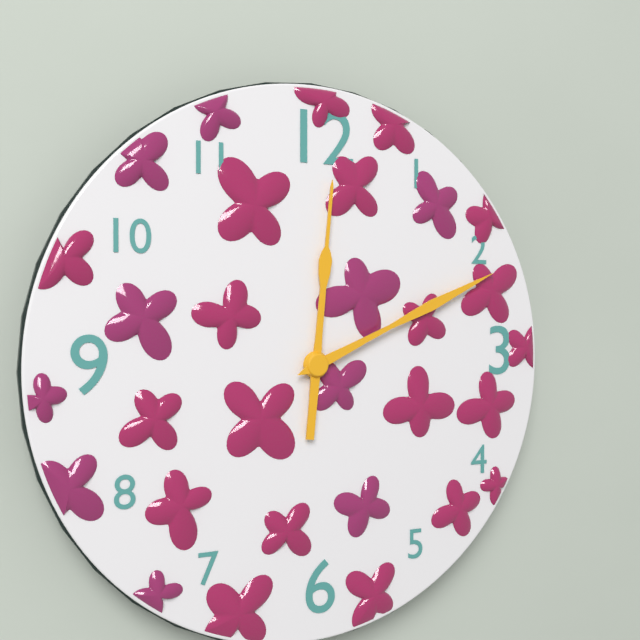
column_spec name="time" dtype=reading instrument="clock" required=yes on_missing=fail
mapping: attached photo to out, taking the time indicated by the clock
12:11
